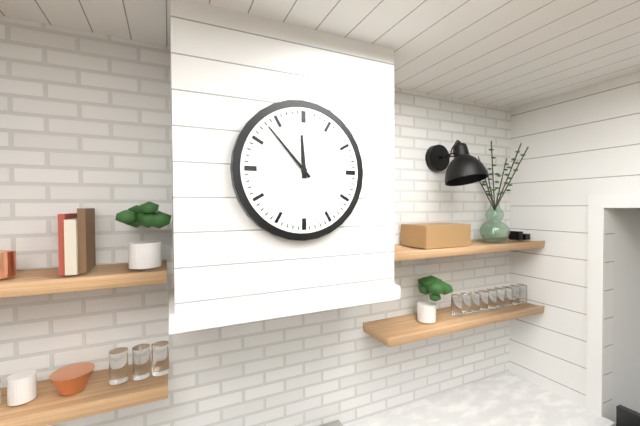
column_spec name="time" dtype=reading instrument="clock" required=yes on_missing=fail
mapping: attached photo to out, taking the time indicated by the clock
11:53
